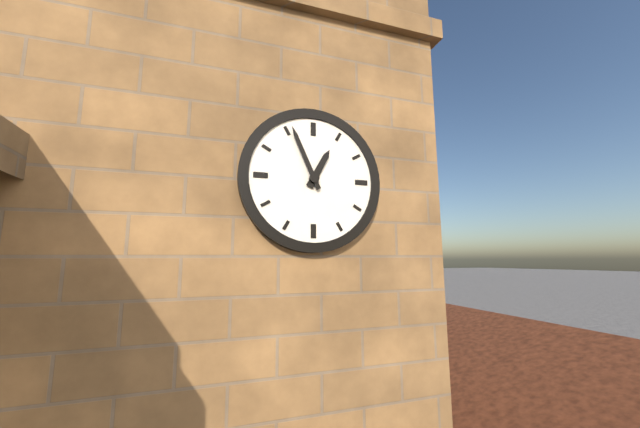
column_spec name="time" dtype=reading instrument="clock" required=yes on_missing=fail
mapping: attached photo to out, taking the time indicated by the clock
12:56
